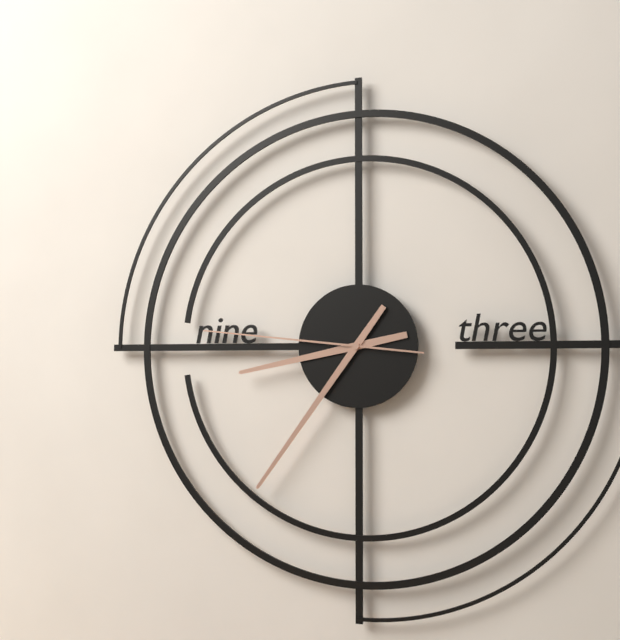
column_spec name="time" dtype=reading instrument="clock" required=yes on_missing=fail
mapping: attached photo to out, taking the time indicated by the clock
8:36:46
